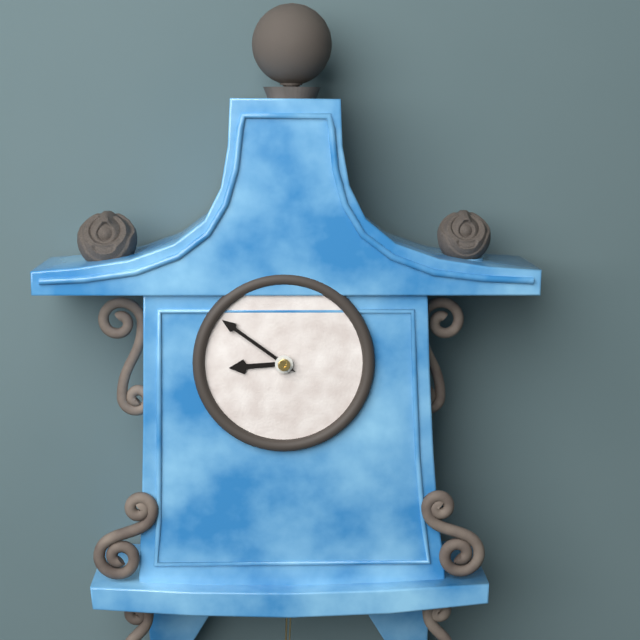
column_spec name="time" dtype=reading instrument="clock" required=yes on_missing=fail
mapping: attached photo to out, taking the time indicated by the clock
8:51
